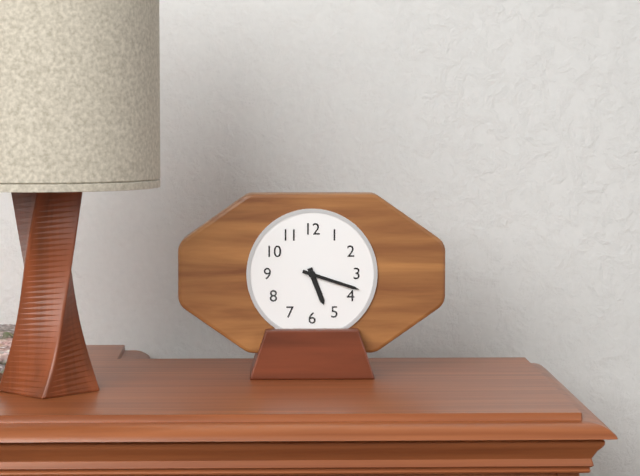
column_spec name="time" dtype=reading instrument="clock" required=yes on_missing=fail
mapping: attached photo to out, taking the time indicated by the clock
5:18
